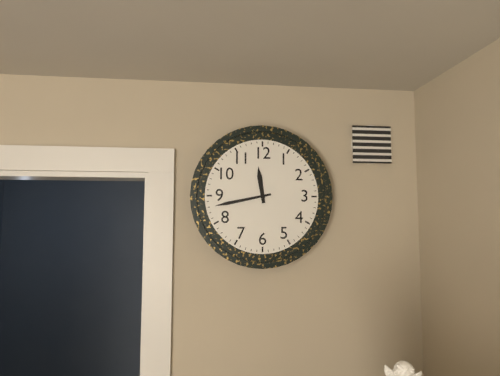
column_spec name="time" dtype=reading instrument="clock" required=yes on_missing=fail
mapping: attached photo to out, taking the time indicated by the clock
11:43
